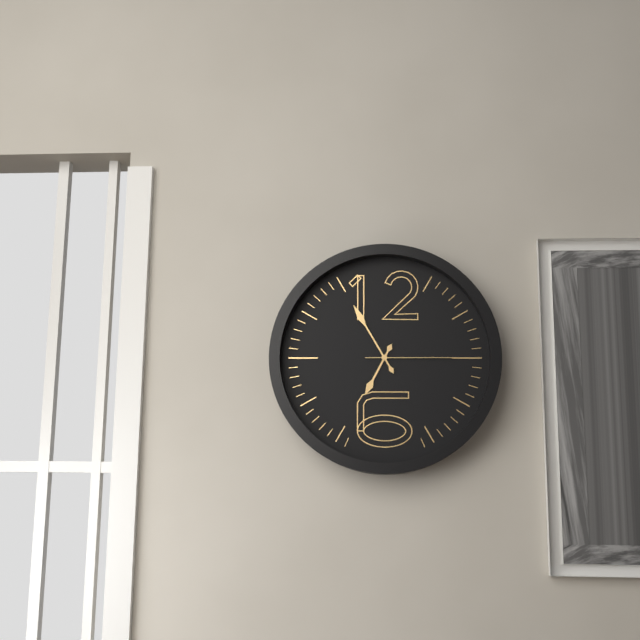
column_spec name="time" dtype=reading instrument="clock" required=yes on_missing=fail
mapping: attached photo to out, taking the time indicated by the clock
6:55:15
